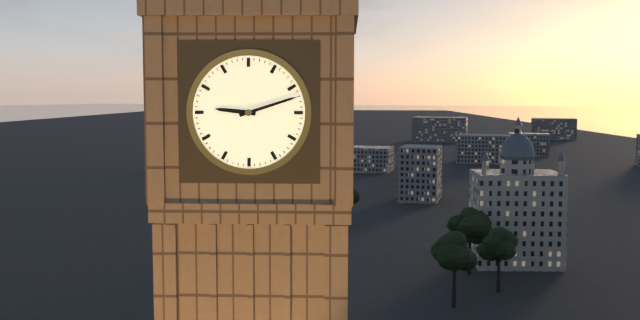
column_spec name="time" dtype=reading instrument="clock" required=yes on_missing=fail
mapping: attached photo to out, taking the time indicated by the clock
9:12
